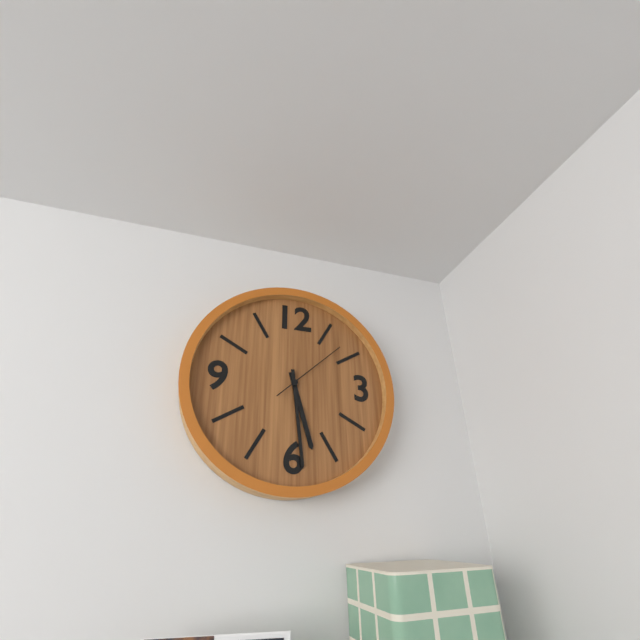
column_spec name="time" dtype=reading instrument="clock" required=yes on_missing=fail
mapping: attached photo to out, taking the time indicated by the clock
5:29:08
